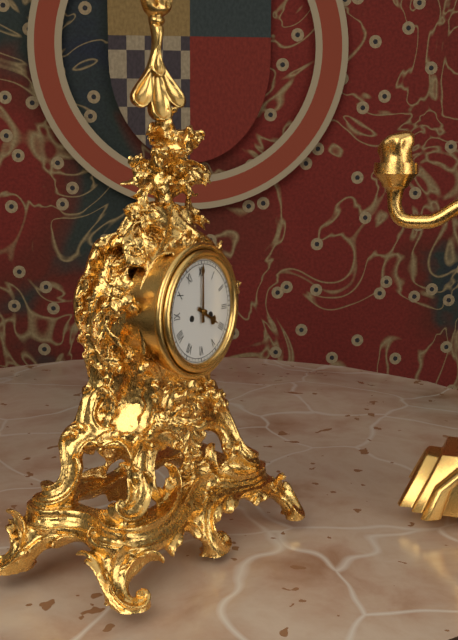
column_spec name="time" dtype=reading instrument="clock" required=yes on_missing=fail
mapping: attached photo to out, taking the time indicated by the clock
4:00
